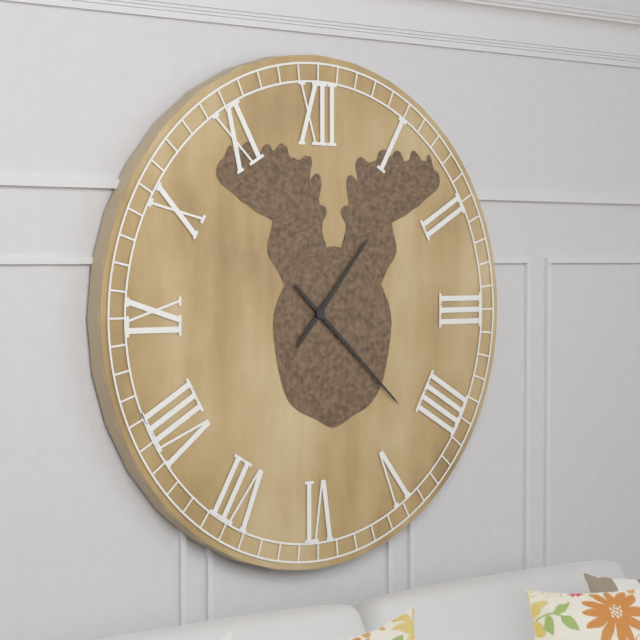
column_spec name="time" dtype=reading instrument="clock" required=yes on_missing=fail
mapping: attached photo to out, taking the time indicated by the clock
1:22
